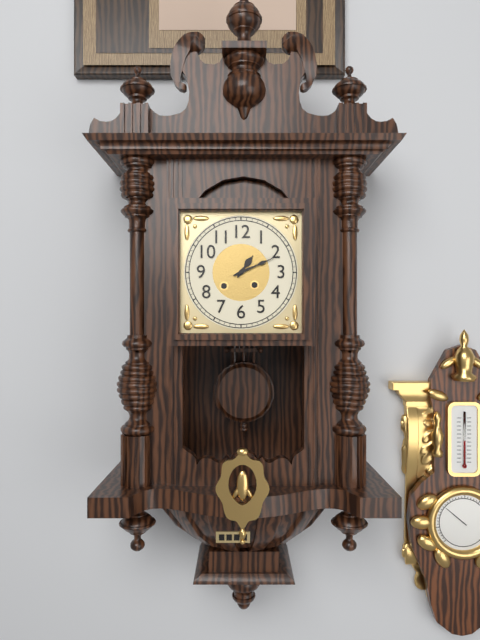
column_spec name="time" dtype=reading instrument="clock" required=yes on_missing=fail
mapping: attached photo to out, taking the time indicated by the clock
1:11
